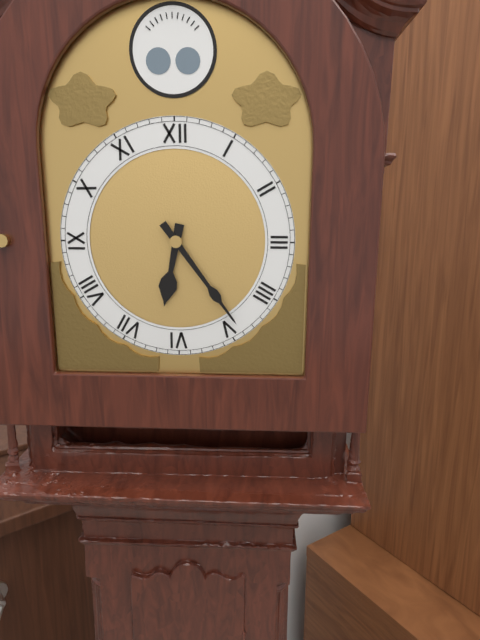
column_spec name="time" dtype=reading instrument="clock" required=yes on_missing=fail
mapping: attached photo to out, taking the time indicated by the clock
6:24
